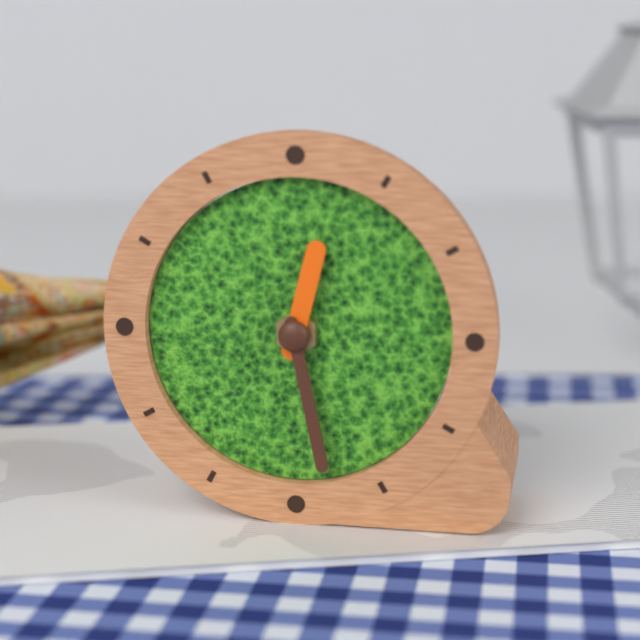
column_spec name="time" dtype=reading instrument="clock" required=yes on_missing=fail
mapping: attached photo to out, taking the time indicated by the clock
12:28
